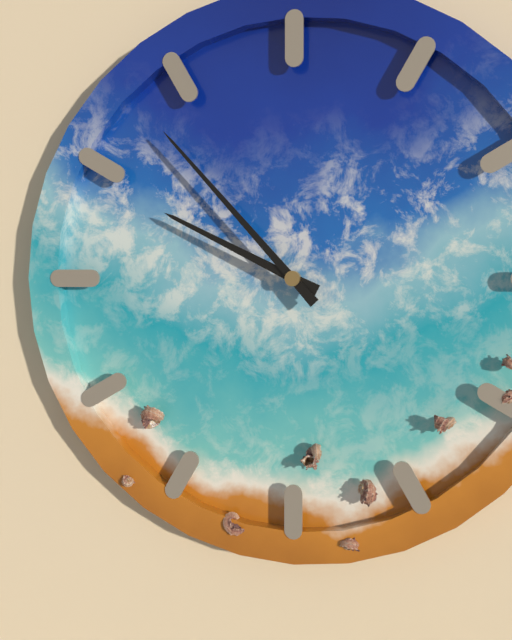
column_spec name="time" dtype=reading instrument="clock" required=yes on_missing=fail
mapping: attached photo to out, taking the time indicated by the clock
9:53
